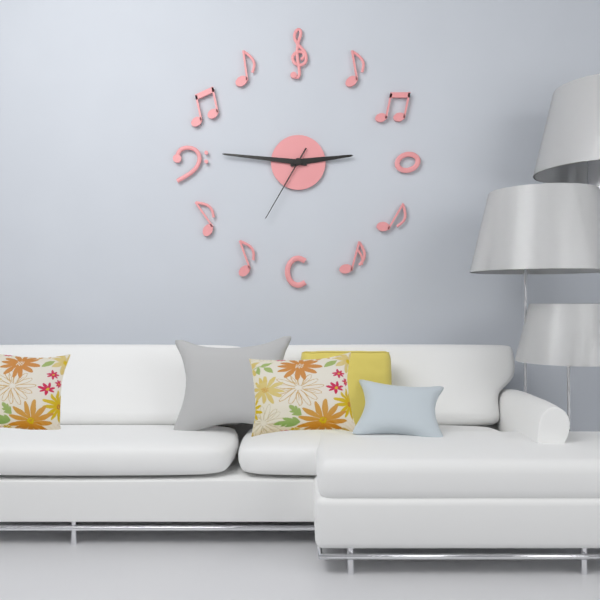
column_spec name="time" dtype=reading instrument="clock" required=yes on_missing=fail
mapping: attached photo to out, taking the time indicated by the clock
2:46:35
